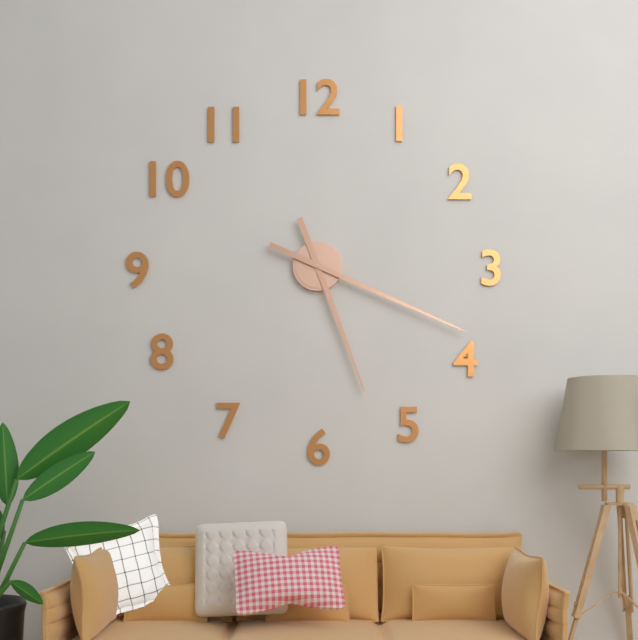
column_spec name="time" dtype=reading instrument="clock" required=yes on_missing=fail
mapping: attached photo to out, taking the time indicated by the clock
5:19
